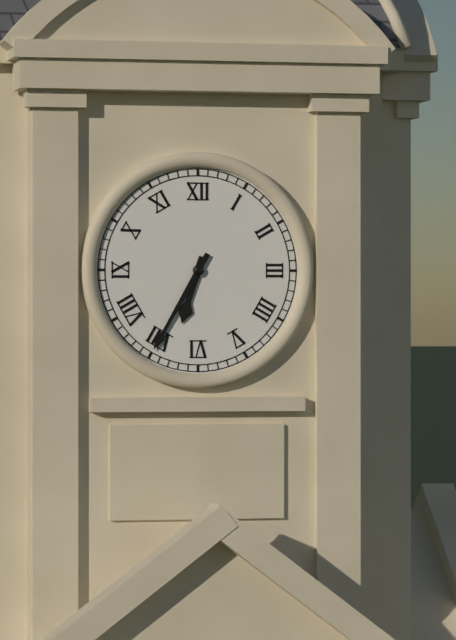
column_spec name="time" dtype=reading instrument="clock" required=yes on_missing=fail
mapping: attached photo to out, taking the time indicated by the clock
6:35
